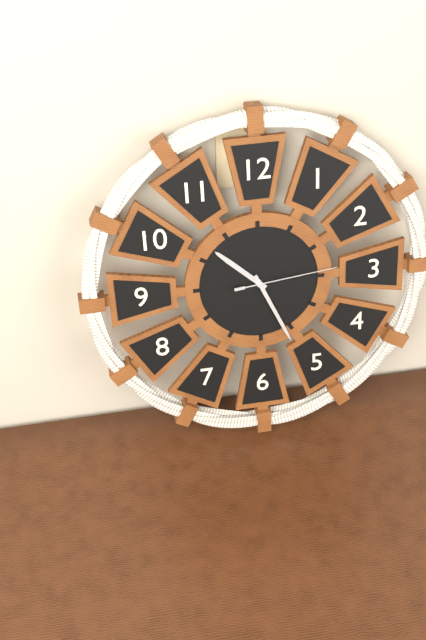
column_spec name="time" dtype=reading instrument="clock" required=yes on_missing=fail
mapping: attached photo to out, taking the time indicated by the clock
10:26:14
